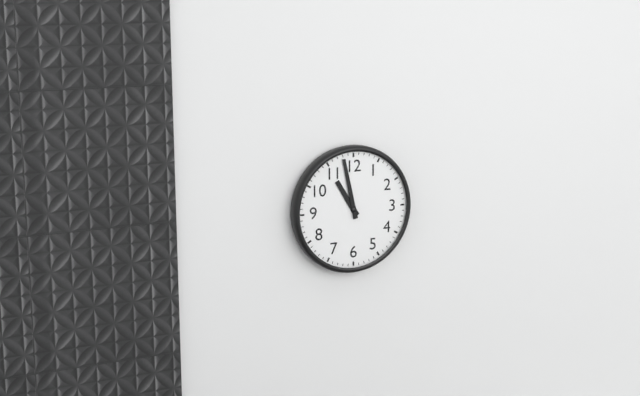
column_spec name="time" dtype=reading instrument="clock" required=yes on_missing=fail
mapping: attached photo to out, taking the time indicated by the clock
10:58
